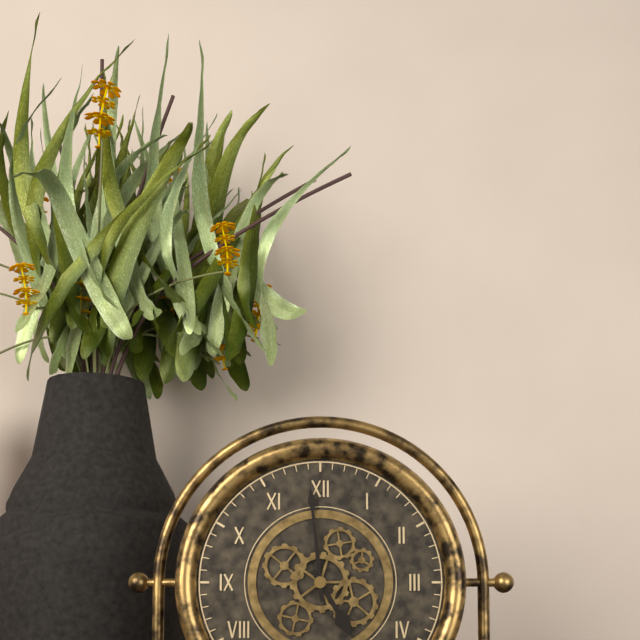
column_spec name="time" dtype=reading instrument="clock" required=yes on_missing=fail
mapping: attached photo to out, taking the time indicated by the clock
4:59
